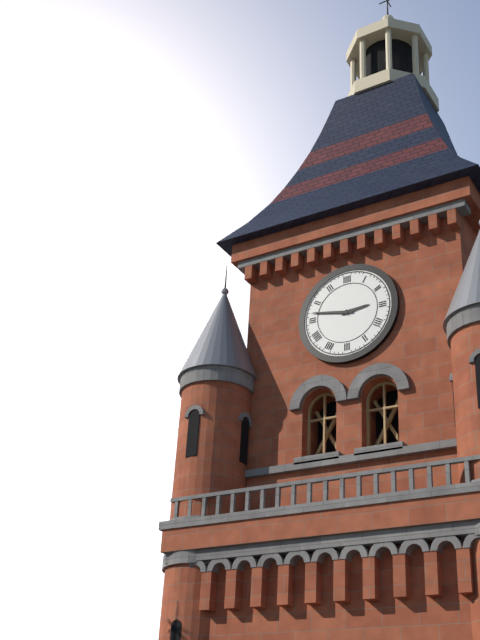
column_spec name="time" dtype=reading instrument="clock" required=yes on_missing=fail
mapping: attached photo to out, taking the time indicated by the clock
2:47
